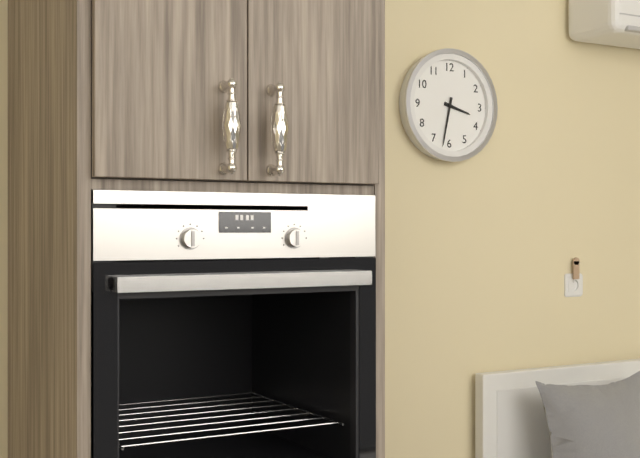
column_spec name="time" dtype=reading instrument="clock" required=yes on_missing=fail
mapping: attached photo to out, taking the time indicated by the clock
3:32
